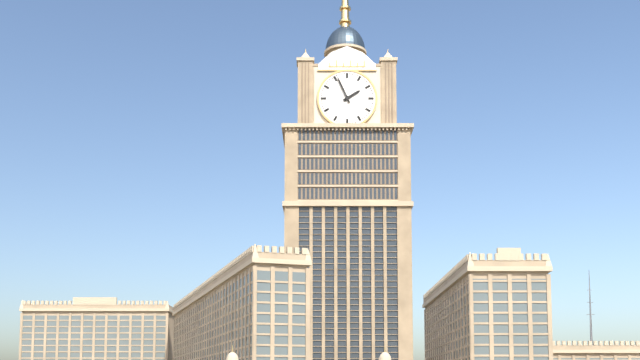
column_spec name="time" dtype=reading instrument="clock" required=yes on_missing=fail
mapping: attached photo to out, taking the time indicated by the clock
1:56
